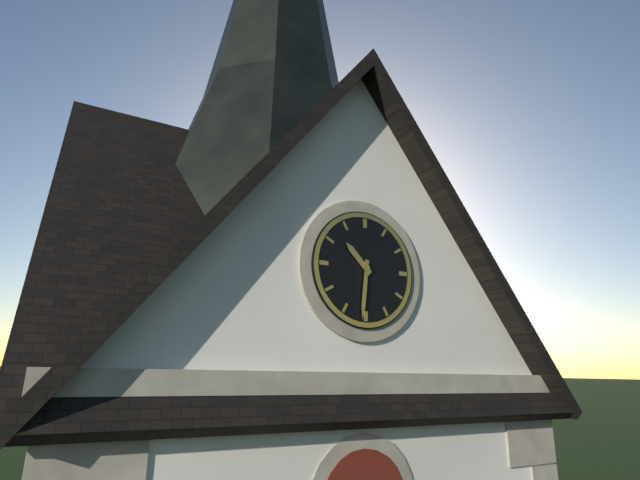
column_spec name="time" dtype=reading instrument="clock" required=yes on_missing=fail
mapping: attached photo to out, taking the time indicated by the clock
10:31
